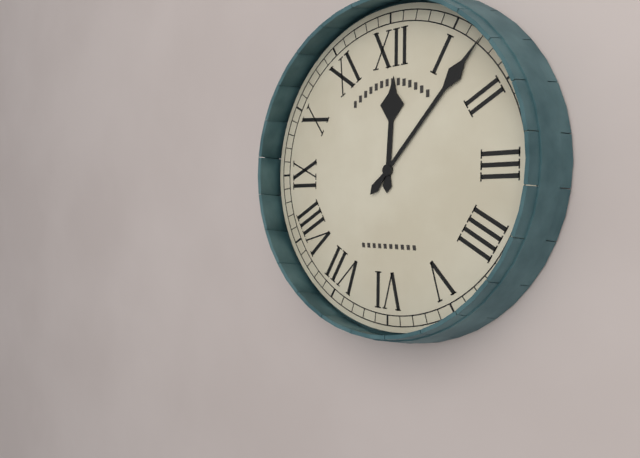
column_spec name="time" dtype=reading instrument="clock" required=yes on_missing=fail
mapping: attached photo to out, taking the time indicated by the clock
12:07
